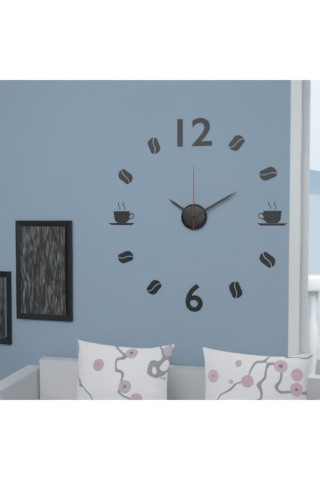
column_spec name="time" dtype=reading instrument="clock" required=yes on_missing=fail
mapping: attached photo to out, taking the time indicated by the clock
10:10:00
